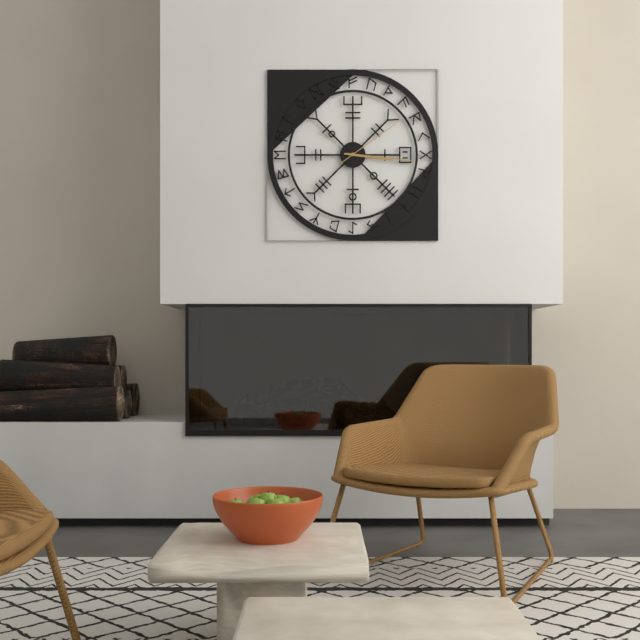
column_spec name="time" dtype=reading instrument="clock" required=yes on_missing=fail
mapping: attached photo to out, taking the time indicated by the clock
3:16:09
